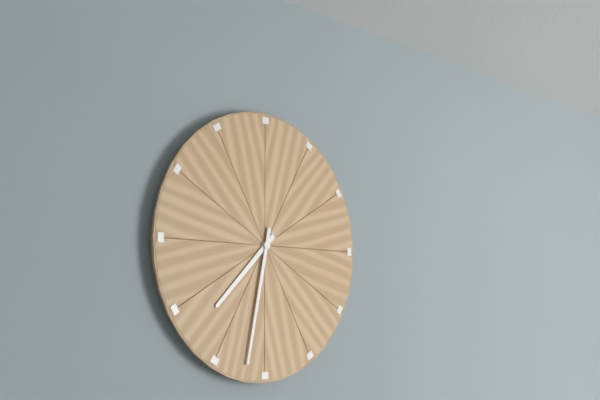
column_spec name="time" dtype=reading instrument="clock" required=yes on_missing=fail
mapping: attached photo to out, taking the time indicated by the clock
7:32
